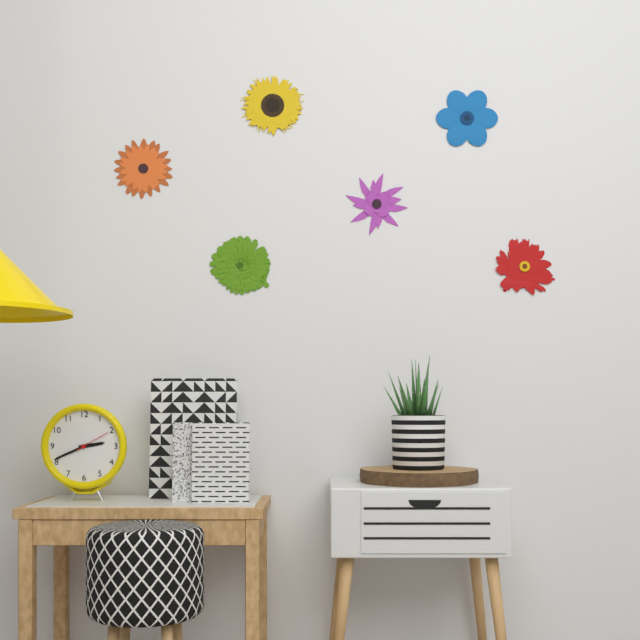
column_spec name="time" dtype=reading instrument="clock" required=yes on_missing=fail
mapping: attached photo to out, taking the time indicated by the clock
2:41
